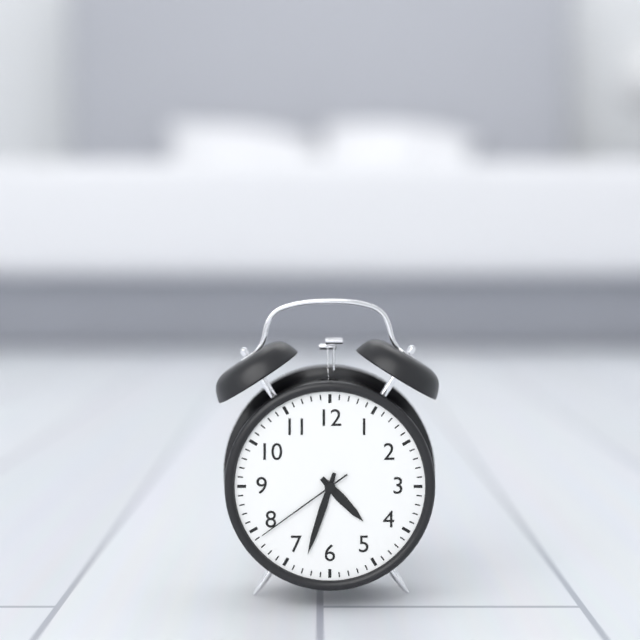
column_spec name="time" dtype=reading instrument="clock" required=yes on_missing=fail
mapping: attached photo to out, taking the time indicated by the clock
4:33:39
